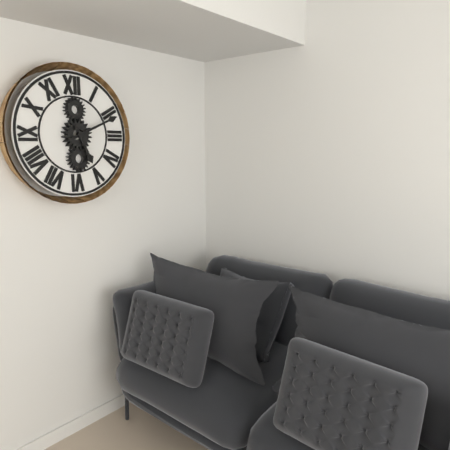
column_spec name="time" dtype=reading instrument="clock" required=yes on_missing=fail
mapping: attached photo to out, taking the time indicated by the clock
5:11
